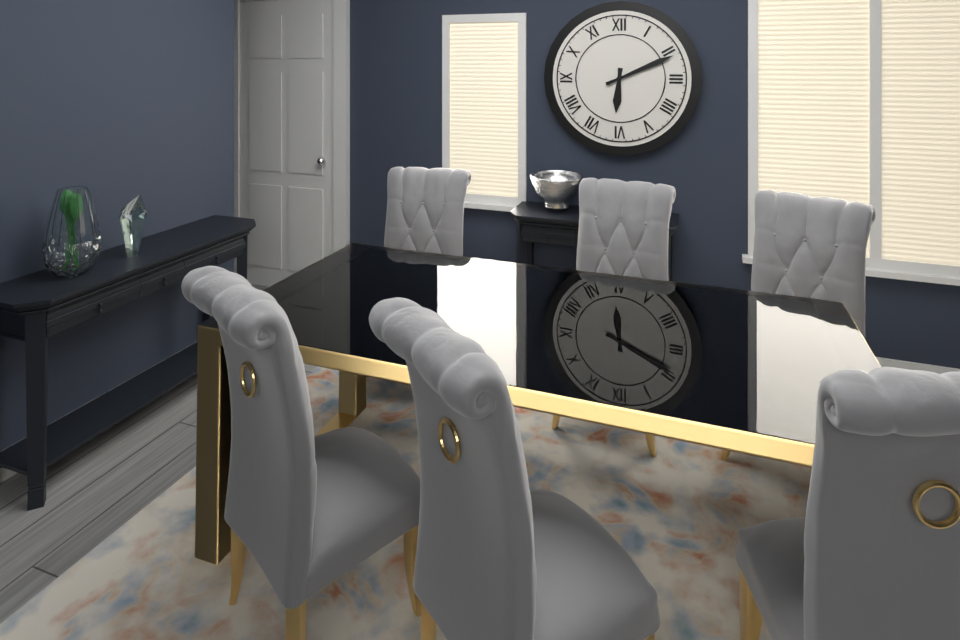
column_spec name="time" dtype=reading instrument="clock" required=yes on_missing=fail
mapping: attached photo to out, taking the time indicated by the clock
6:11
